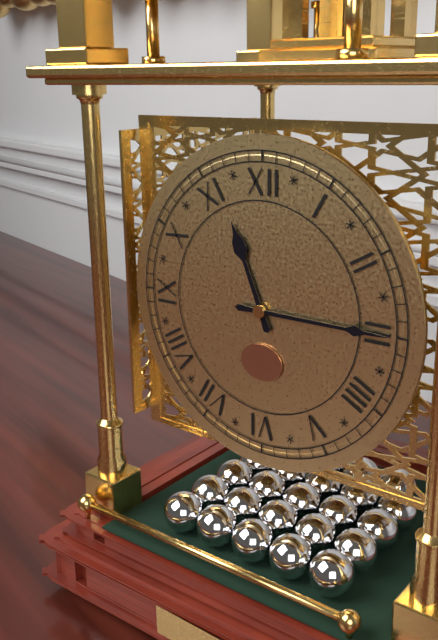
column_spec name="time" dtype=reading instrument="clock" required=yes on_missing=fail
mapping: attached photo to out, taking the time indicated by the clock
11:15
